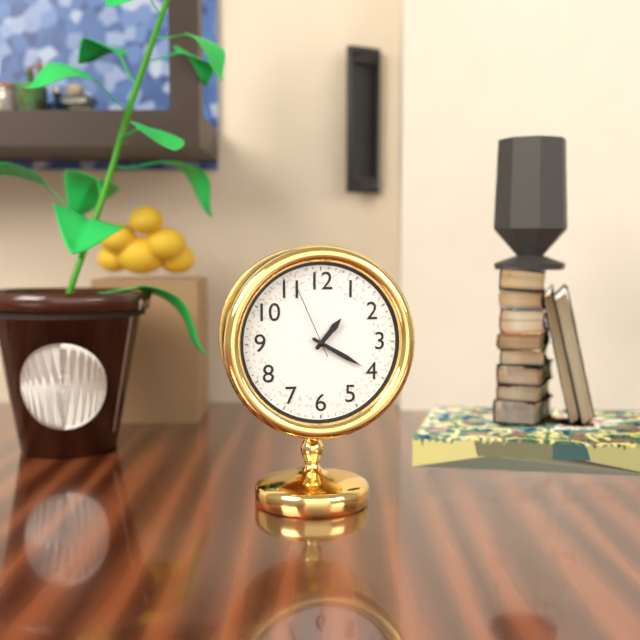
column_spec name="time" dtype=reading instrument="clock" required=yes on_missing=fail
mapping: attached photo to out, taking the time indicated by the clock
1:20:56
